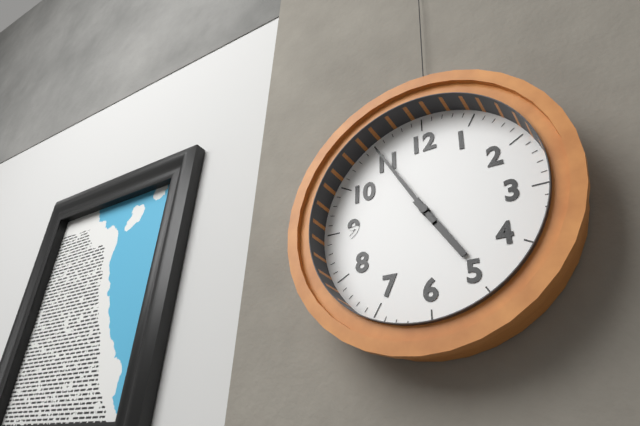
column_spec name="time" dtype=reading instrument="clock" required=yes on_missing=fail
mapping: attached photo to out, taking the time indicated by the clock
4:55
